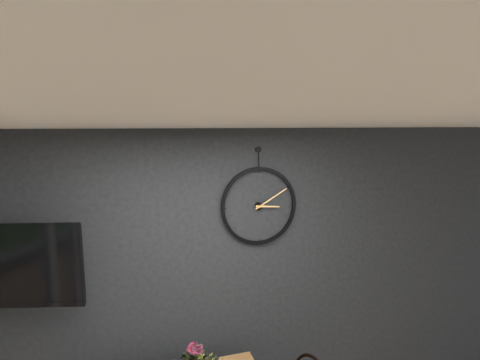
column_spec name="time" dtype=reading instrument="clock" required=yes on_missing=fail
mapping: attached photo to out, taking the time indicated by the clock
3:10
